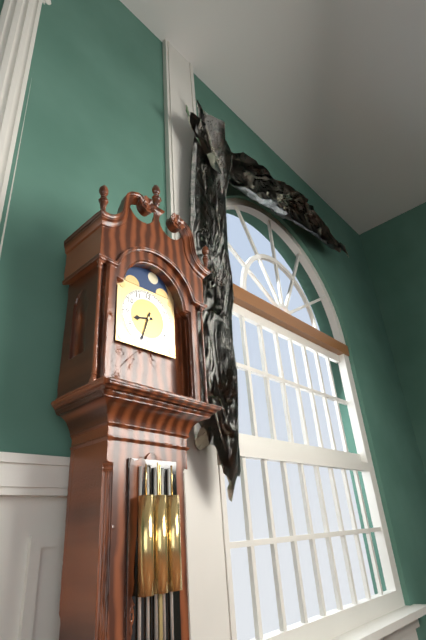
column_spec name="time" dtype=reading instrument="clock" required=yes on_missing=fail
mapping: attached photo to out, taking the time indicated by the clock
8:33
